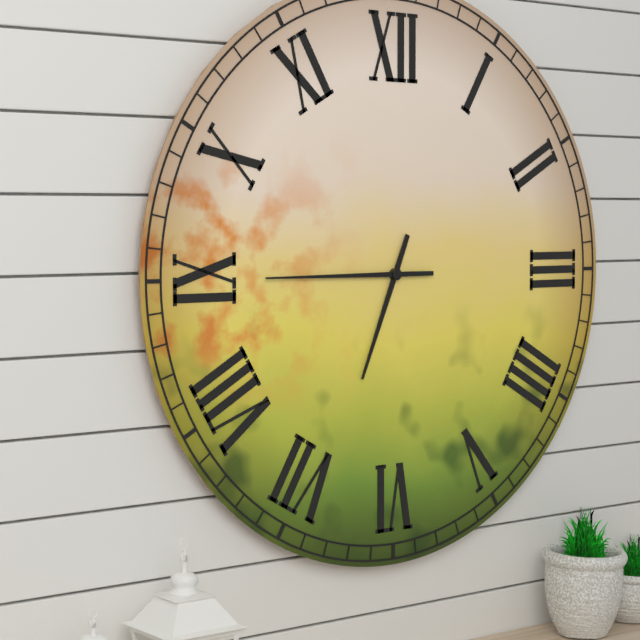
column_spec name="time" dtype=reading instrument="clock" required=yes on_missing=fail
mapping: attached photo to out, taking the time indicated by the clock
6:45
